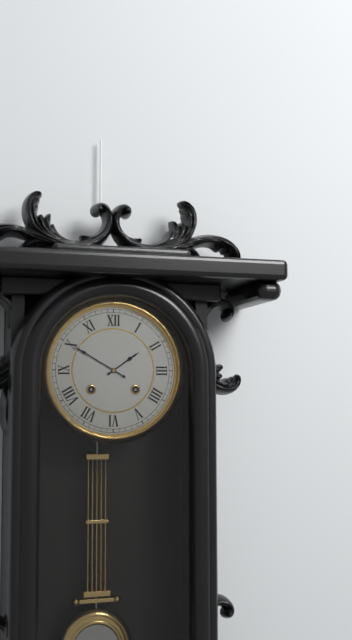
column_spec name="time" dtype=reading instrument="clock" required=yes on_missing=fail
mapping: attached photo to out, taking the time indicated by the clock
1:50
